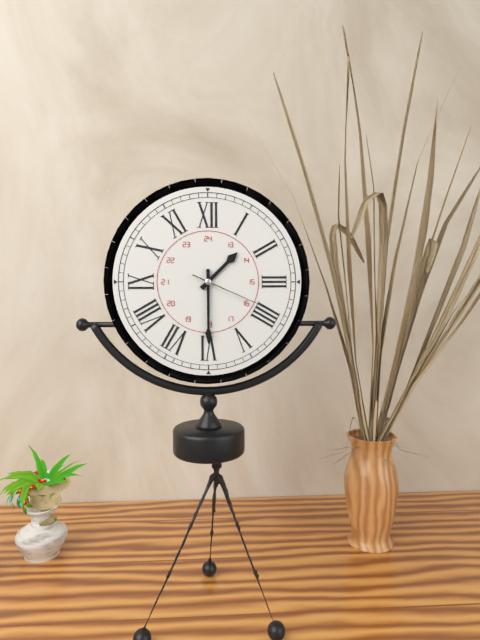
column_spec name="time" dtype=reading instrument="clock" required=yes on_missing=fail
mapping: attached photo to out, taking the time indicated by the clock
1:30:19
